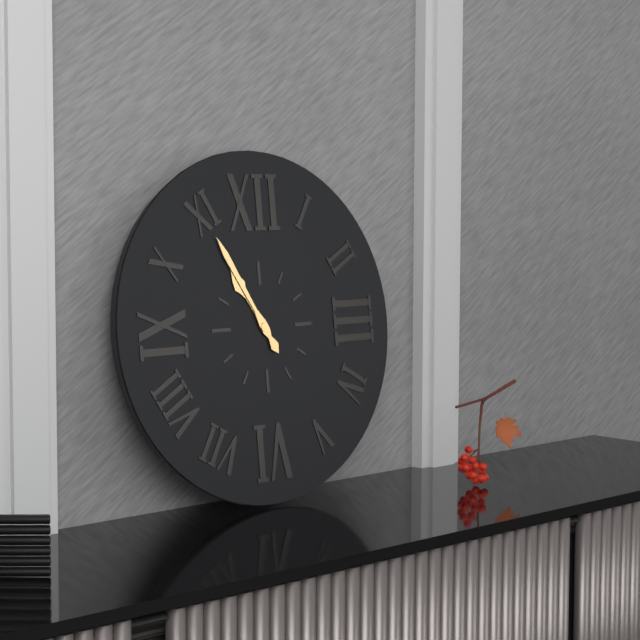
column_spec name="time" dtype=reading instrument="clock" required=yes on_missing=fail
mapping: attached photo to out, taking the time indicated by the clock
10:55
